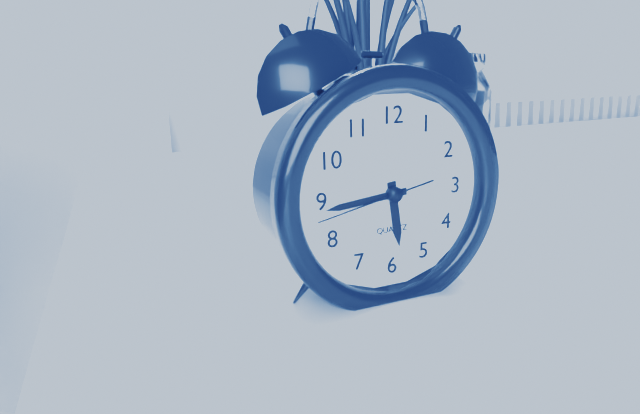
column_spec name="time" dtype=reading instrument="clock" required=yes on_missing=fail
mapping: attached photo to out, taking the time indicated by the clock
5:44:43
